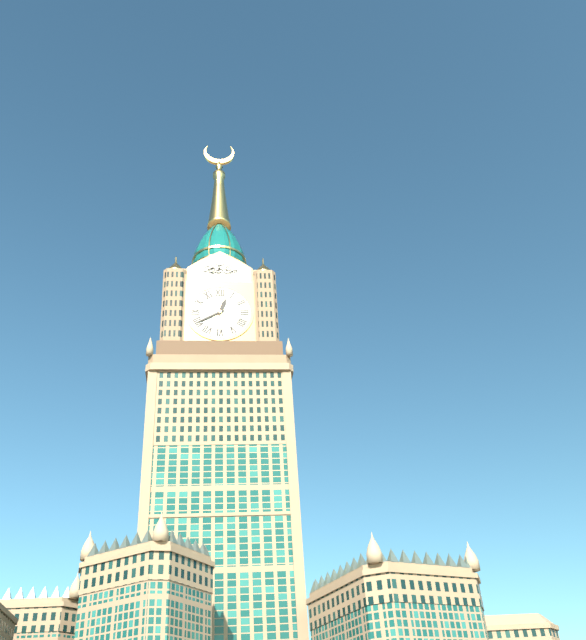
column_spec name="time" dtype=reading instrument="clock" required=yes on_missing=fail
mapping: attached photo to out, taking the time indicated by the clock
12:40
